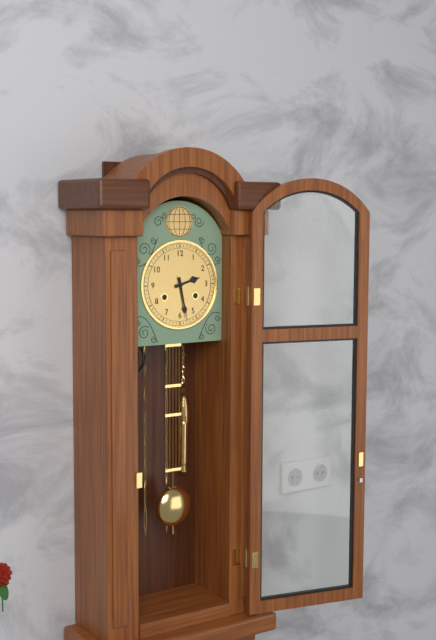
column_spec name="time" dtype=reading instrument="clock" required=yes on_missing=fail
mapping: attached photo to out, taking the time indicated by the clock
2:28
